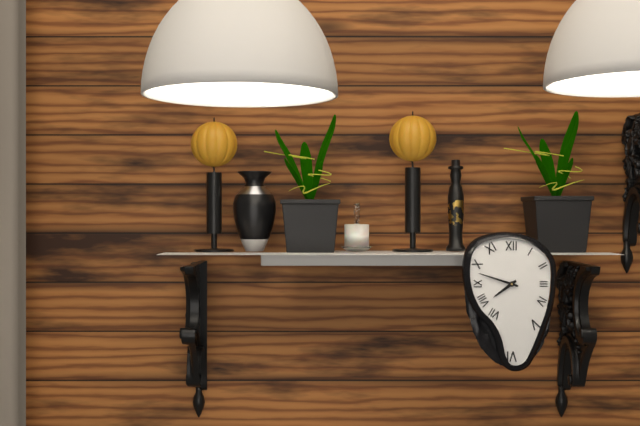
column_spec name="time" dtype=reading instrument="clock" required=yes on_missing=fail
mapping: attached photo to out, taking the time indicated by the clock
7:48
